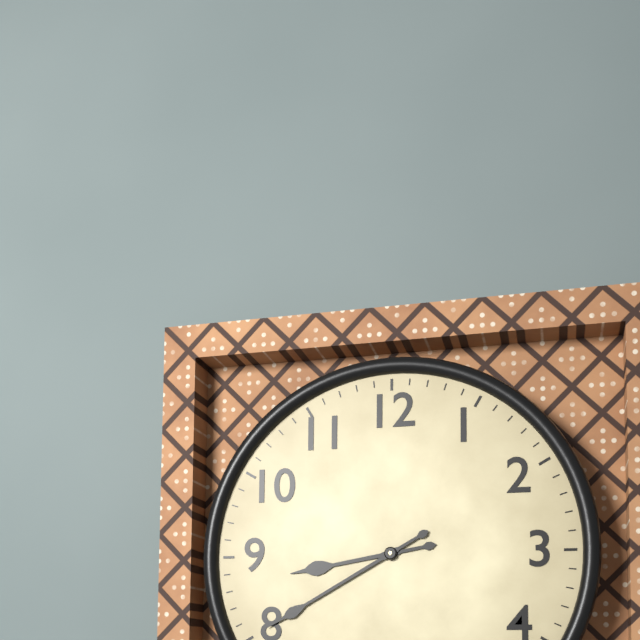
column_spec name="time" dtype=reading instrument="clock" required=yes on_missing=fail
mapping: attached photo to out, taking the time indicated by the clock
8:40
